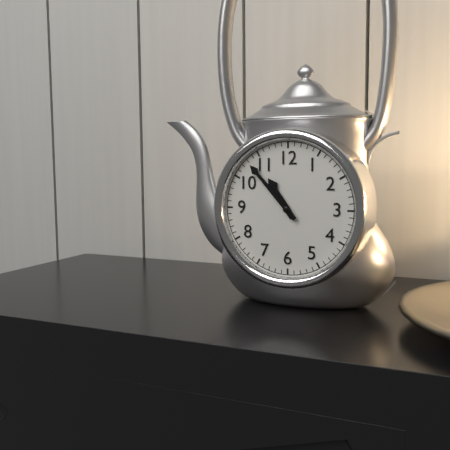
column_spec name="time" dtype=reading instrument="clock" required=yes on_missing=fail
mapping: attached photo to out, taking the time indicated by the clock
10:53
